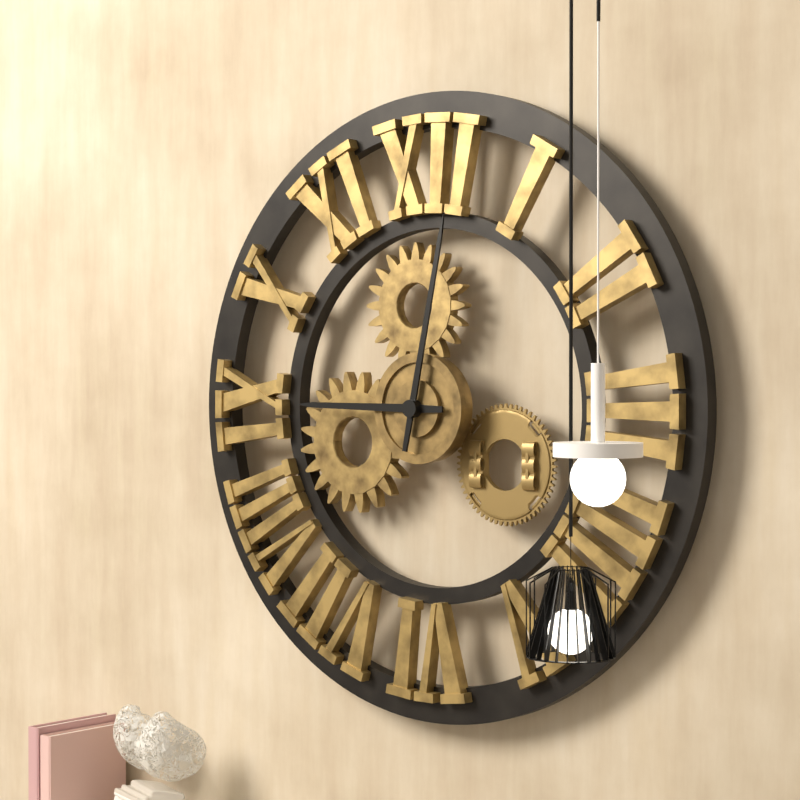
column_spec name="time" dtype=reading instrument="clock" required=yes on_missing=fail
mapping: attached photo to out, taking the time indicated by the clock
9:02
